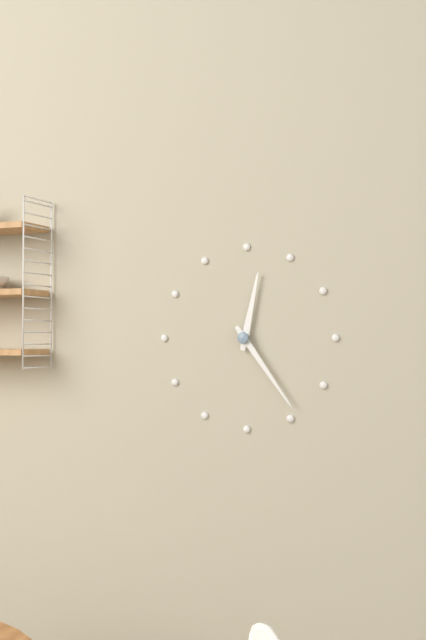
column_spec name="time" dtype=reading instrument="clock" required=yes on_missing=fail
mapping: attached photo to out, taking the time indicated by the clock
12:24
